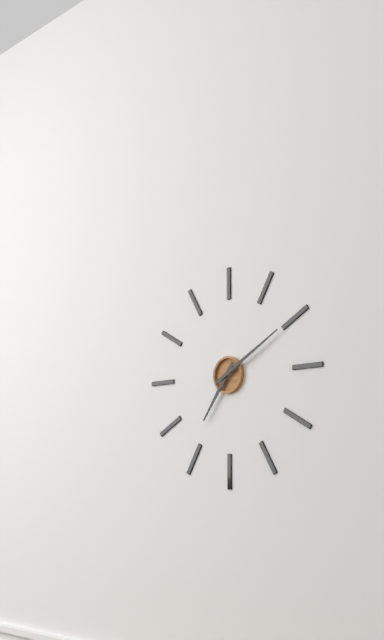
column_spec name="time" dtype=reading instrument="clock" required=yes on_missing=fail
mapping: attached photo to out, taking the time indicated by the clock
7:10
